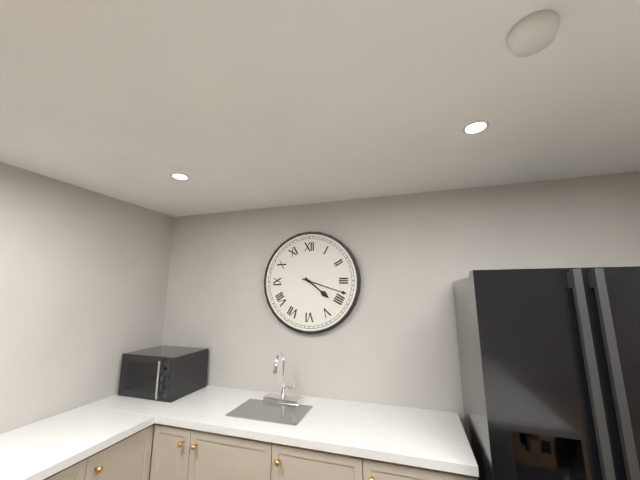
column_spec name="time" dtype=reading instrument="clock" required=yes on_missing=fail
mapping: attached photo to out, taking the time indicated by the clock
4:18
